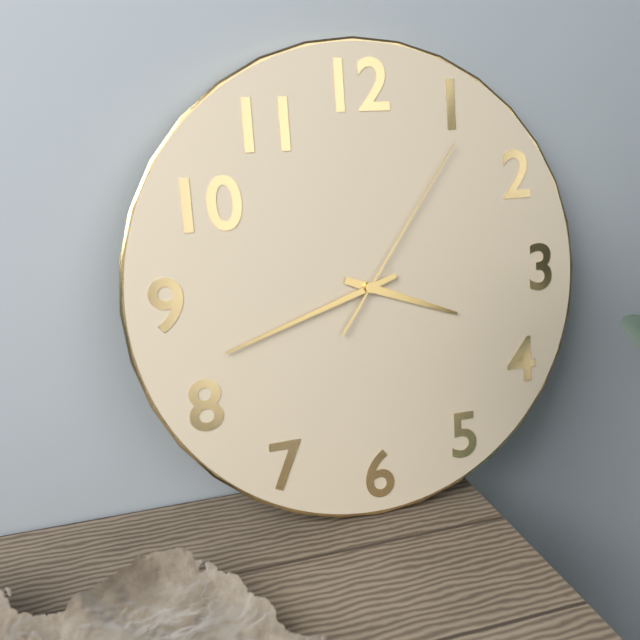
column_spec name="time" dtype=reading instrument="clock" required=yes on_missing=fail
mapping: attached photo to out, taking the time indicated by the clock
3:42:06
